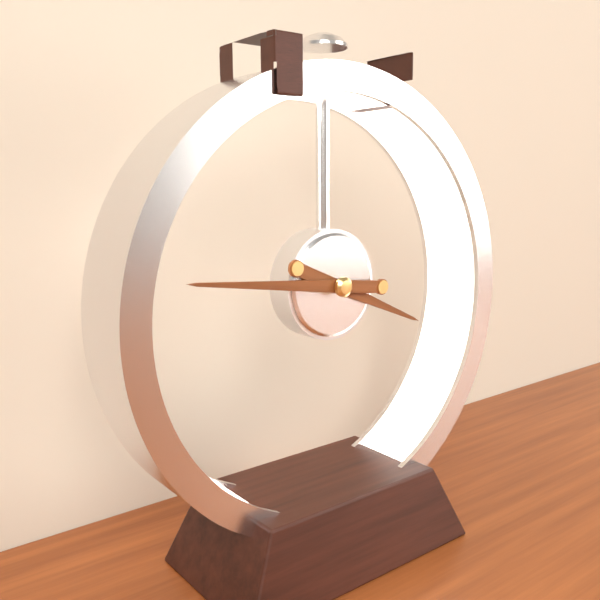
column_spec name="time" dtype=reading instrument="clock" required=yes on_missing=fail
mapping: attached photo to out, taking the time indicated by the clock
3:46
